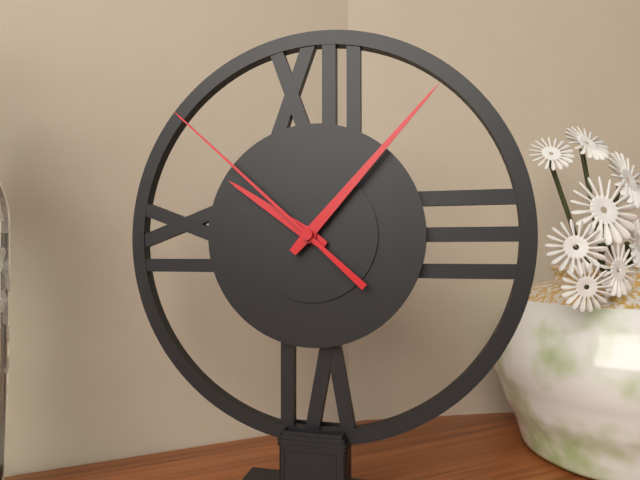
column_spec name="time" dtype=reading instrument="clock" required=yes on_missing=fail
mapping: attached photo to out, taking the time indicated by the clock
10:07:52
